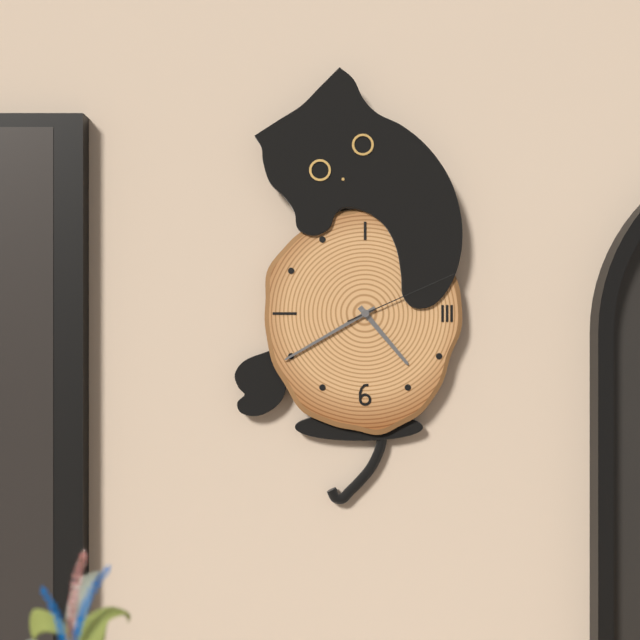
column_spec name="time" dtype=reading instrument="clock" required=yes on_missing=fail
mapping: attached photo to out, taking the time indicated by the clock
4:40:11
